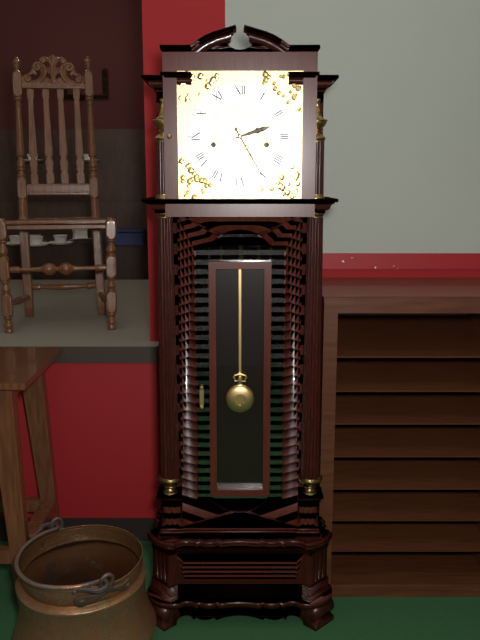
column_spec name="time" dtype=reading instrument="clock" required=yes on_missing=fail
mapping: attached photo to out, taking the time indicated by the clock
2:25
